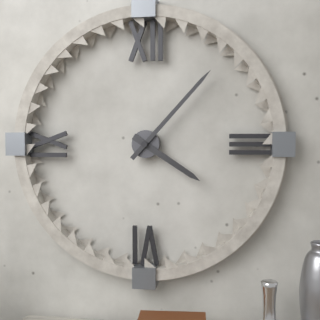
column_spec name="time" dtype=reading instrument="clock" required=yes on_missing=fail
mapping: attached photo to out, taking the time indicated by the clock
4:07
